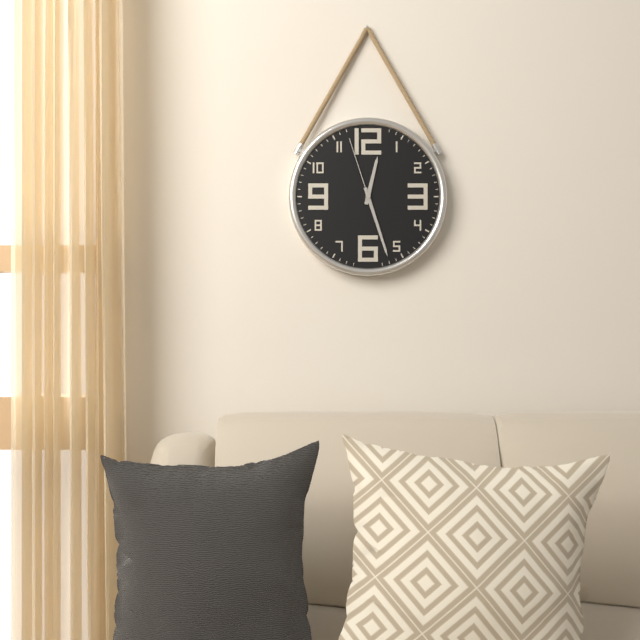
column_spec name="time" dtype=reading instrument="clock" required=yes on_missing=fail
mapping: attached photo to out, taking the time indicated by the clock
12:27:57
